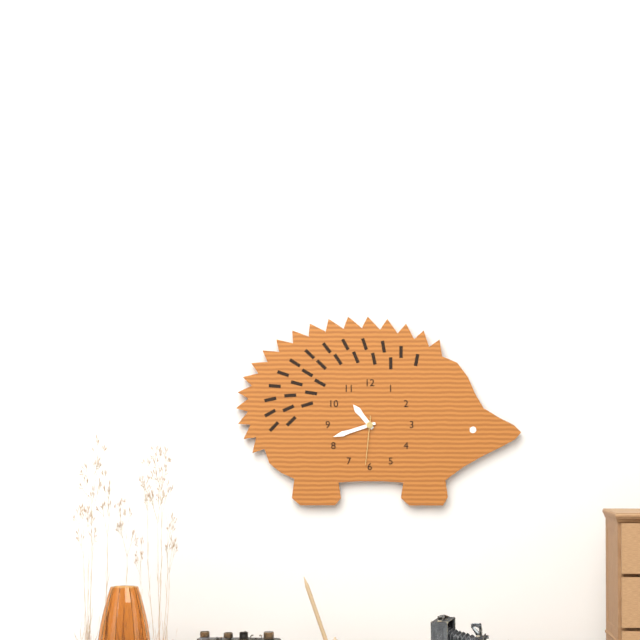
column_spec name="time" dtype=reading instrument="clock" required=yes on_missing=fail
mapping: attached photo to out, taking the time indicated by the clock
10:42:31
